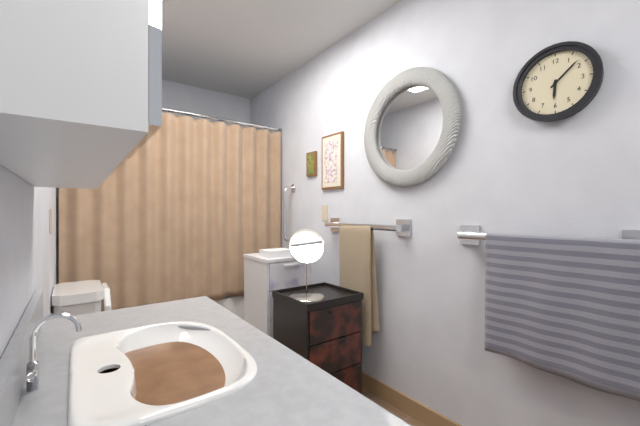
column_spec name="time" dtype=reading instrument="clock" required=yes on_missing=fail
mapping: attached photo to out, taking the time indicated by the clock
6:08
